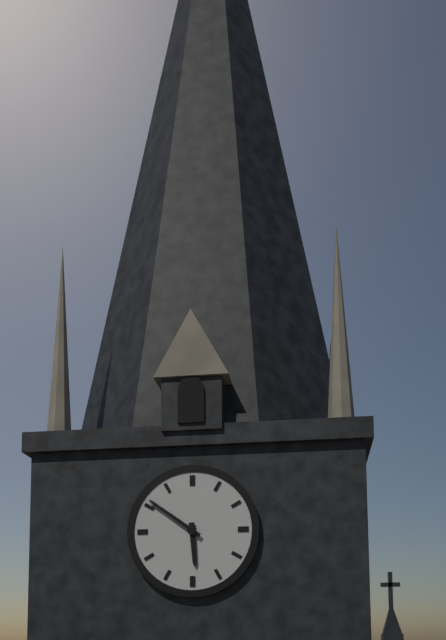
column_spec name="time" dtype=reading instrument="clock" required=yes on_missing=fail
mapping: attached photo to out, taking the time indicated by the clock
5:51
